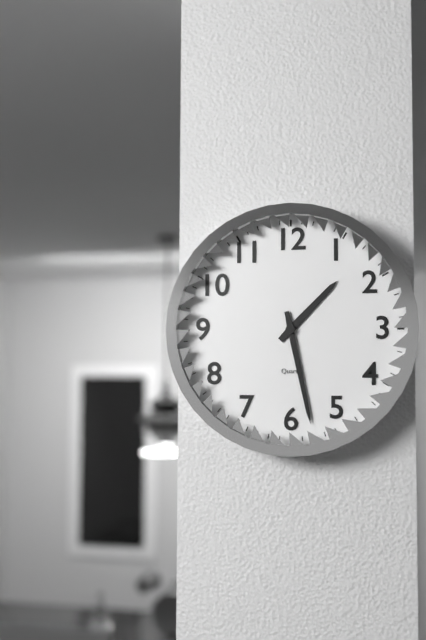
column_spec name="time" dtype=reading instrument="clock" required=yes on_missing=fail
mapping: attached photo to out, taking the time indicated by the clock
1:28
